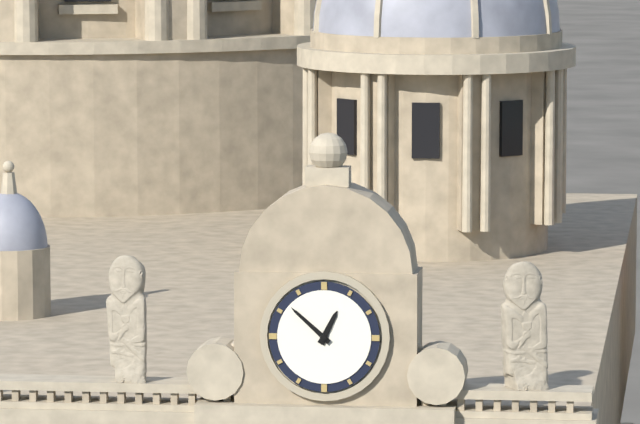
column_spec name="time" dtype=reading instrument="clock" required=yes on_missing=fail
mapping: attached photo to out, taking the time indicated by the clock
12:52
